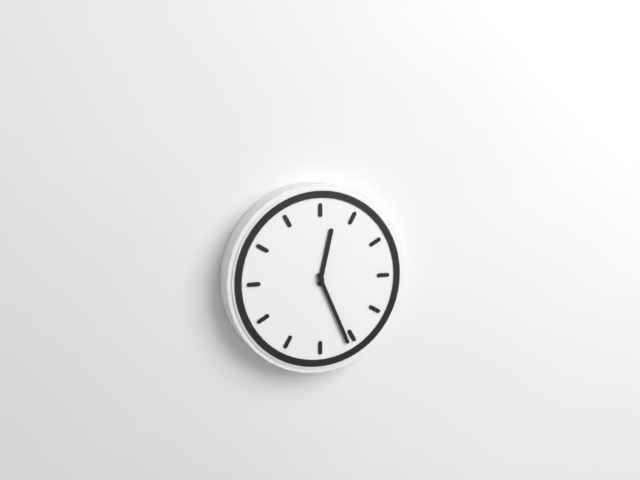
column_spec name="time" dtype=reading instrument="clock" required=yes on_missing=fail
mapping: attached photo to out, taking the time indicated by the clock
12:26
